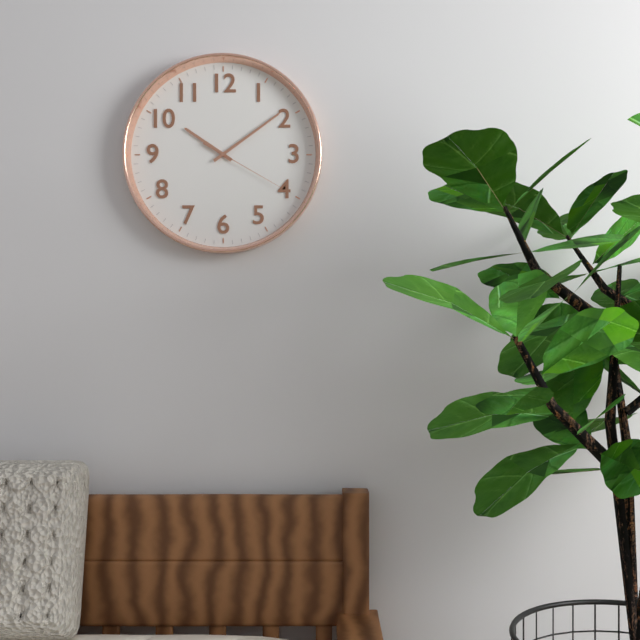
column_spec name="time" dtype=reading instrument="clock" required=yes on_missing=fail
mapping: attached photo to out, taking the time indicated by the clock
10:09:20
